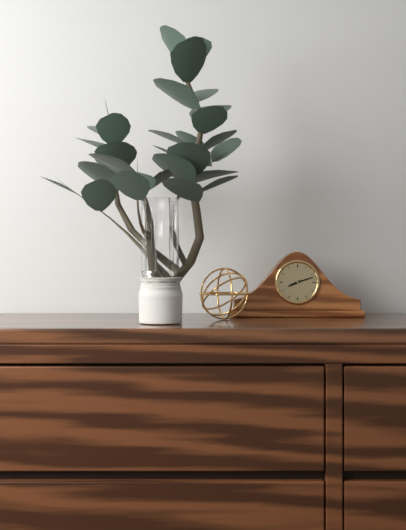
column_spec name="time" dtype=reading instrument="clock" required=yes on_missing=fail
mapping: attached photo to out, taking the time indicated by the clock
8:12
